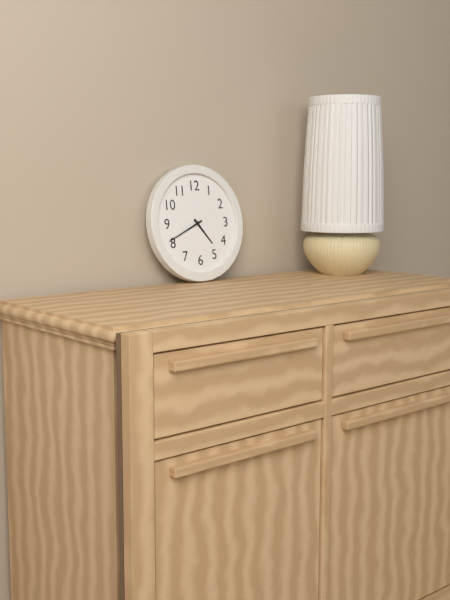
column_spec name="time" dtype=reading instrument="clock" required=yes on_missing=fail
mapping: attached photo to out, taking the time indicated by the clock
4:41
